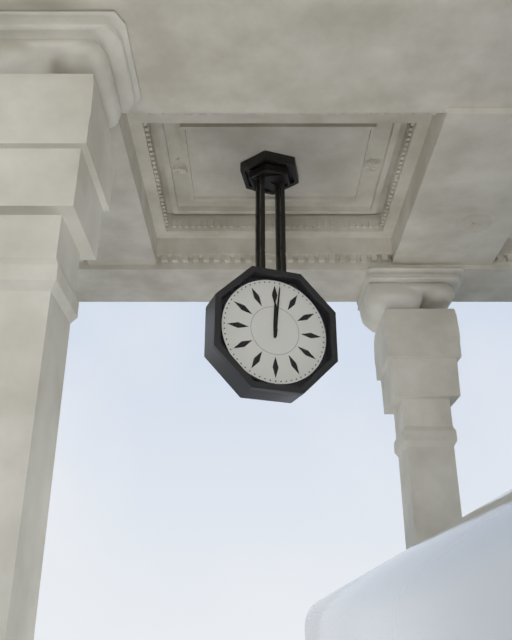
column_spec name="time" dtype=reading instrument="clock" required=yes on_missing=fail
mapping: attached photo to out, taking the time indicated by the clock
12:01
